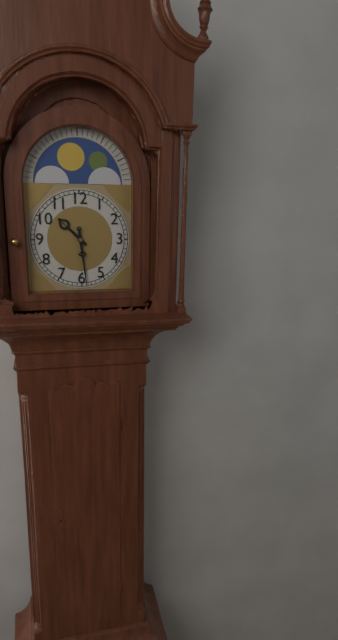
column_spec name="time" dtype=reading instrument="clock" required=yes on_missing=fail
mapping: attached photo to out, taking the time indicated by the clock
10:29
